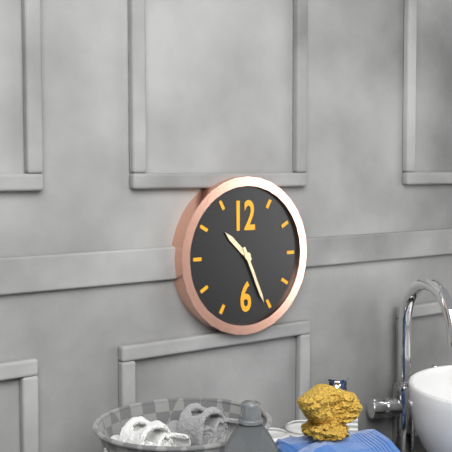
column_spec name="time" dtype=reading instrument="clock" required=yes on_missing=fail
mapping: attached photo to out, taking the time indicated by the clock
10:26
